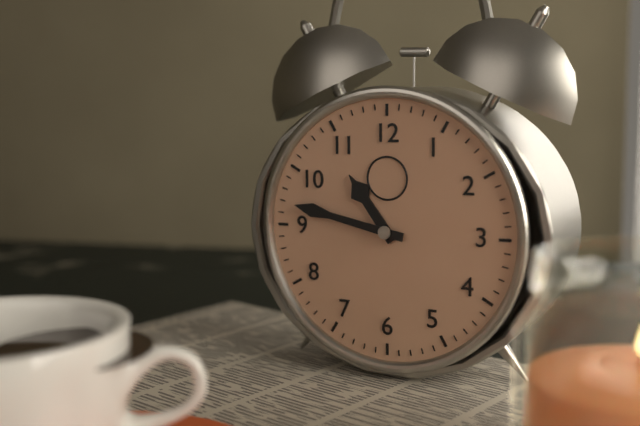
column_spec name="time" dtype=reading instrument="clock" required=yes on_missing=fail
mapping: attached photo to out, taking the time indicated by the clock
10:47
